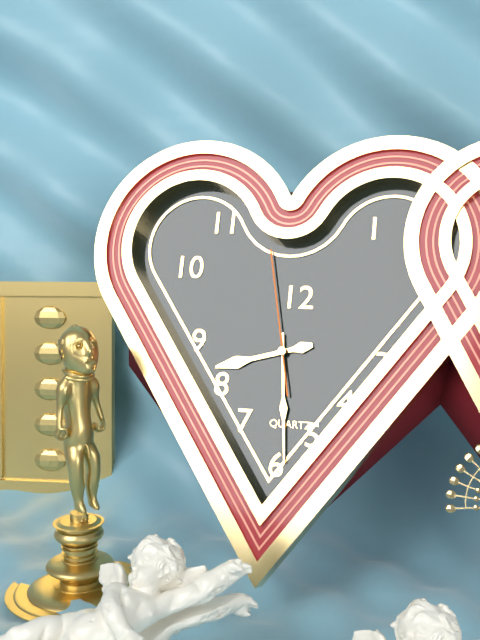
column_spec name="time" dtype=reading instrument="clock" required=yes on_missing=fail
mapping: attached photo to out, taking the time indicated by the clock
8:29:58
